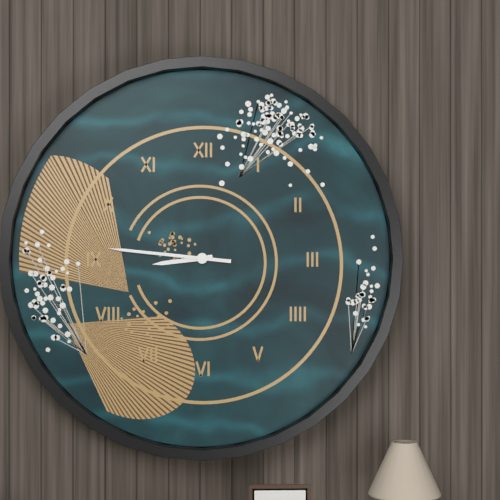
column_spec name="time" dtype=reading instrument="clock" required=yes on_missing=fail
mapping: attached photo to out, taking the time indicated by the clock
8:46
